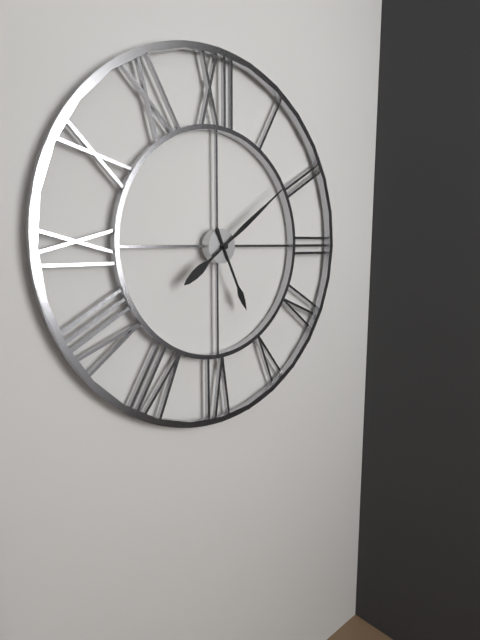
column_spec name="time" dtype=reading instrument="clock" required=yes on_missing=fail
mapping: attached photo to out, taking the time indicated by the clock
5:09
